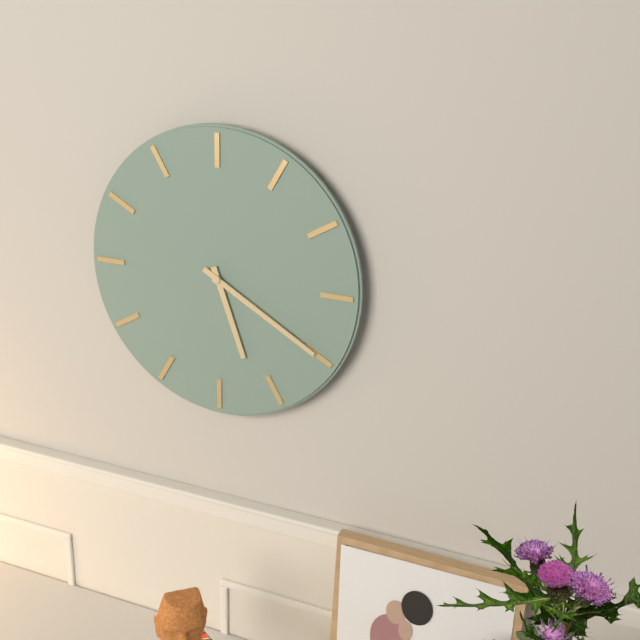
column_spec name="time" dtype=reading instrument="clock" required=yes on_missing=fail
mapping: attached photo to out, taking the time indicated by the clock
5:20
